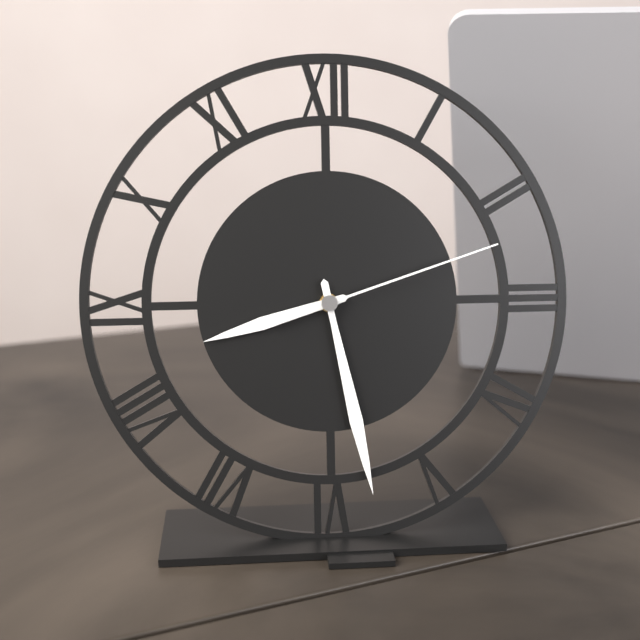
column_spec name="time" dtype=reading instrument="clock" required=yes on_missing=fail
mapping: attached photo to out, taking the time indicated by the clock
8:28:12
